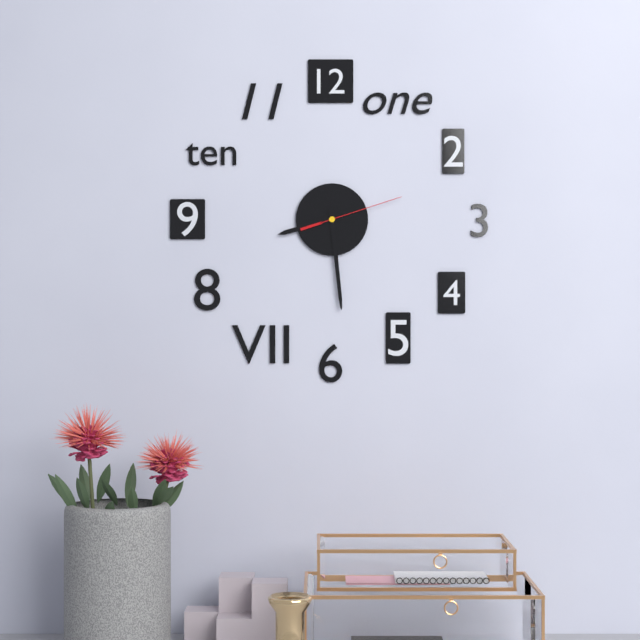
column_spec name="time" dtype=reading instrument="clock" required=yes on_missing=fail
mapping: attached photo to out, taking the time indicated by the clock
8:29:12
